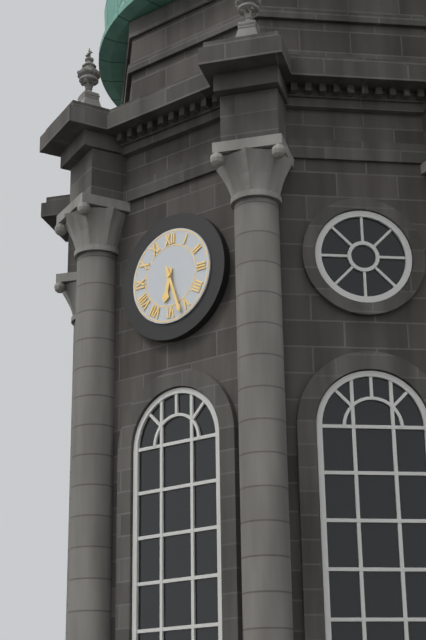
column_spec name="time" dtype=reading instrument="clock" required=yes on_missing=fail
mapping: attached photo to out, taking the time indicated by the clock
6:27
